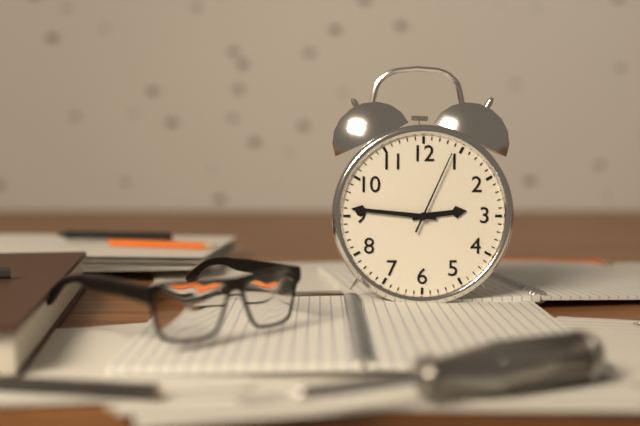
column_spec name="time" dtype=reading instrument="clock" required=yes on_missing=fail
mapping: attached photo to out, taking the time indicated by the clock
2:46:04
